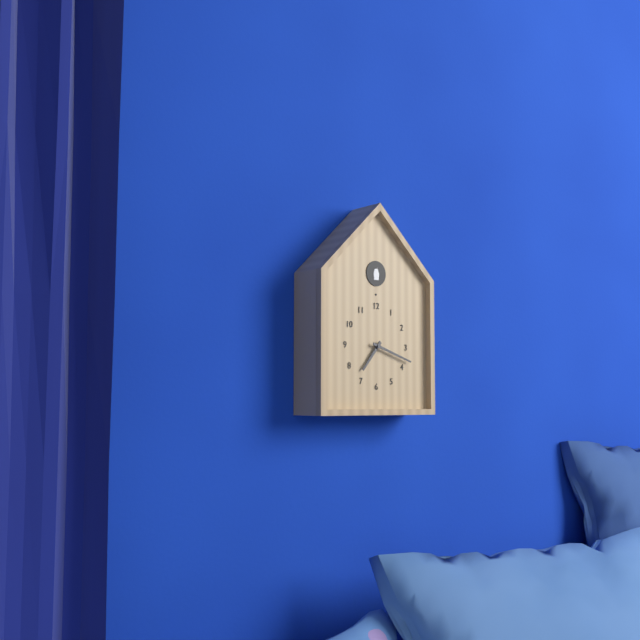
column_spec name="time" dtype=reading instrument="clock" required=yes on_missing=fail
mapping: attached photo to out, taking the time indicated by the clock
7:18
